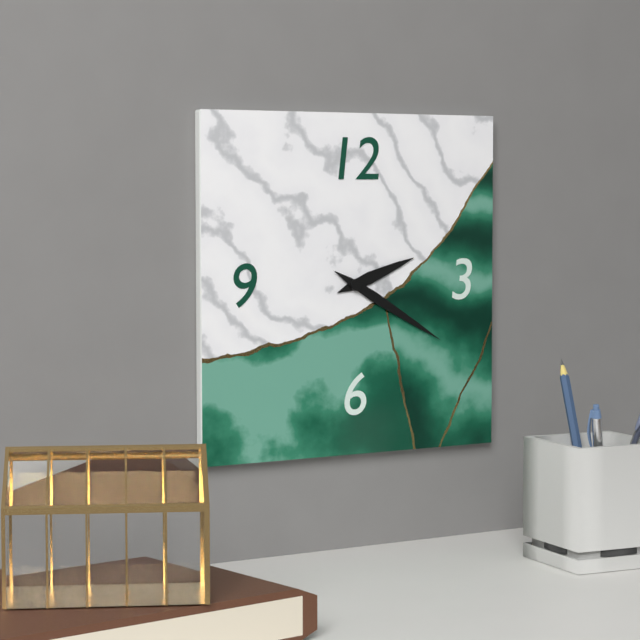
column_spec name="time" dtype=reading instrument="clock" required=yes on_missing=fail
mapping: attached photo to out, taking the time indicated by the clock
2:20
